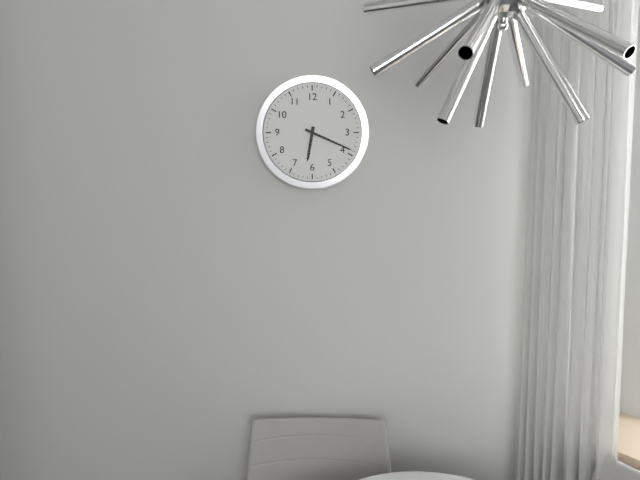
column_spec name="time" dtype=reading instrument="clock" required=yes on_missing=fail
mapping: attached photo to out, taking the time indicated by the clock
6:19
